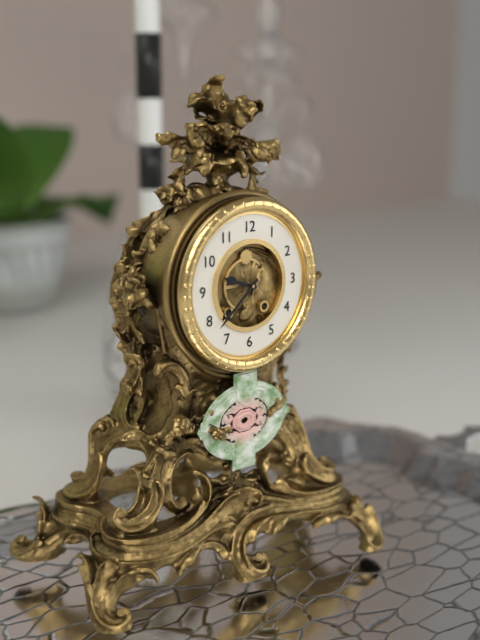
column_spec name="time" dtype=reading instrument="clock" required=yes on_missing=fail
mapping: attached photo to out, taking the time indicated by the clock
9:38
